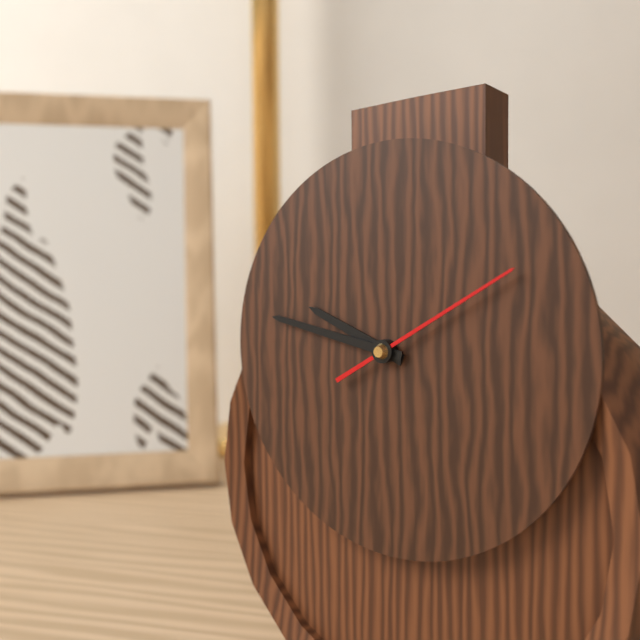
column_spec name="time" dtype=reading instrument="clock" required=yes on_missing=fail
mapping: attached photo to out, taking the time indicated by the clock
9:47:10
